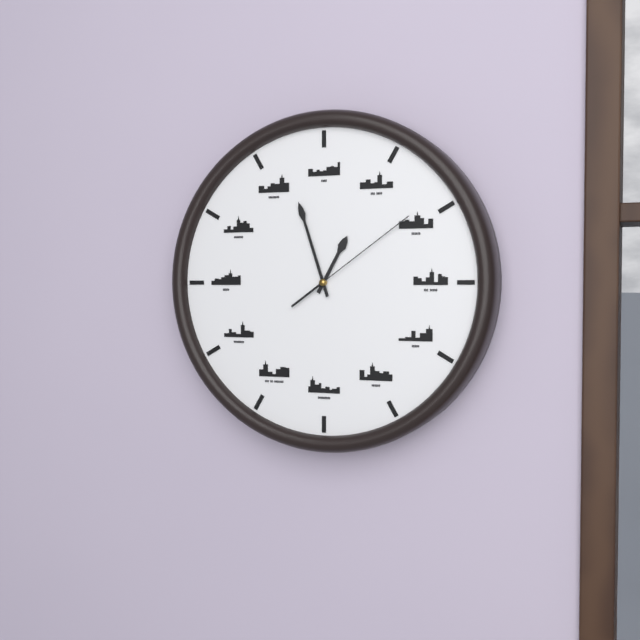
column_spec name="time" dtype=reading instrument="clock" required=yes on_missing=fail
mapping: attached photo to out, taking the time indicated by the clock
12:57:09
